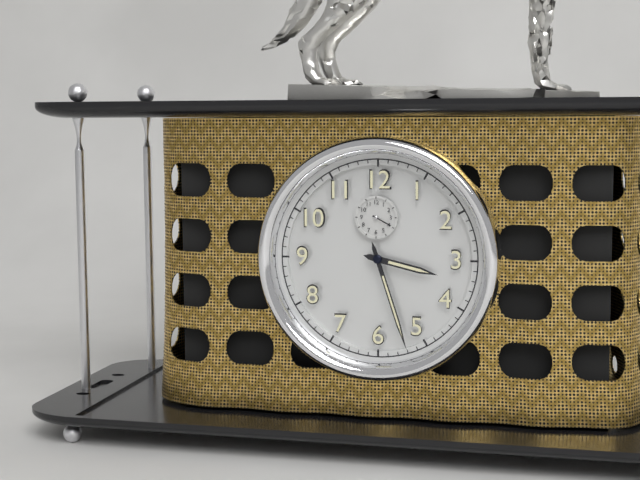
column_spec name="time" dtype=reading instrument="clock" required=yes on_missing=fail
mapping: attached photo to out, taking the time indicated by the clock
3:27
